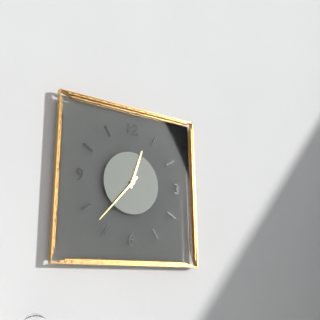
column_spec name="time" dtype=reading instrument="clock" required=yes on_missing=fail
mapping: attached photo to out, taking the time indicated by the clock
12:37
